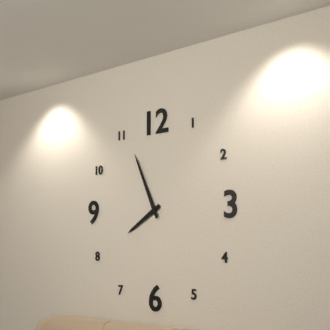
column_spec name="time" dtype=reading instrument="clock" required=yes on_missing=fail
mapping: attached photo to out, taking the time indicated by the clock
7:56
